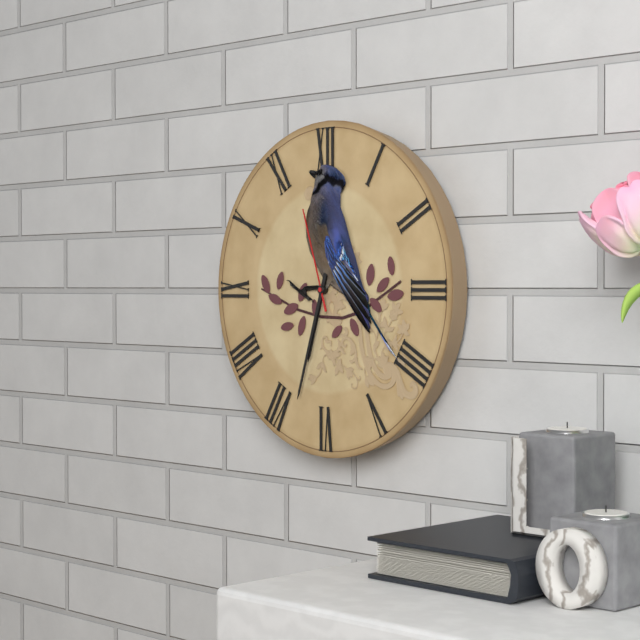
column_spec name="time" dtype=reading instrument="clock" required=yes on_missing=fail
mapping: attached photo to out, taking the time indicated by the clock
6:33:57
